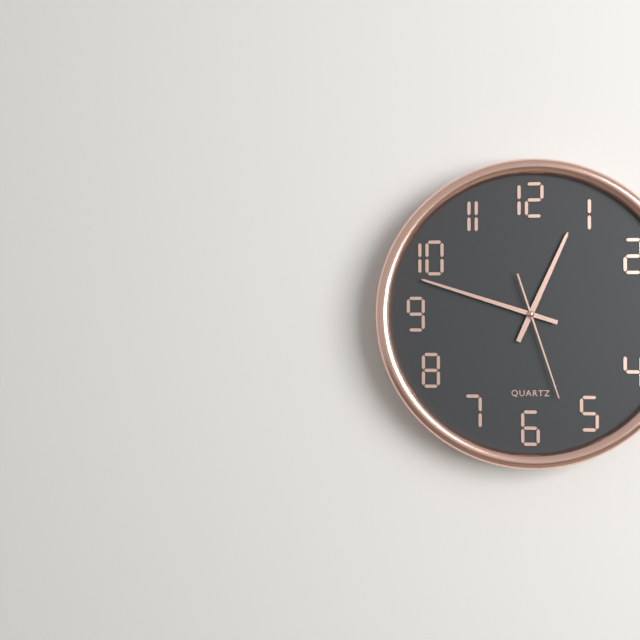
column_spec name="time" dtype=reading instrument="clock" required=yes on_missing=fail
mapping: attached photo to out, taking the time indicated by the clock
12:48:27
